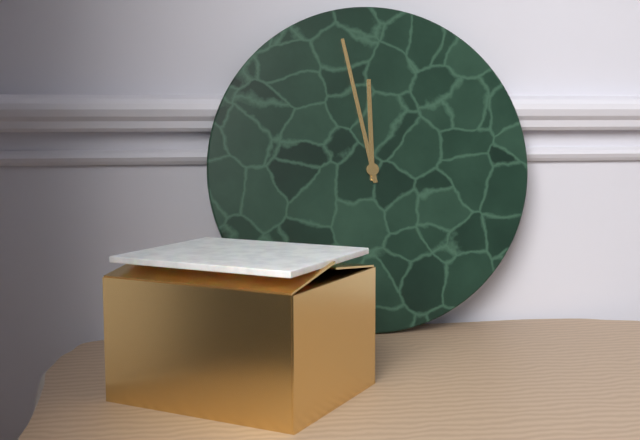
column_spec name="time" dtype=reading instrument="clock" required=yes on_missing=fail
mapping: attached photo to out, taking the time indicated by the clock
11:58
